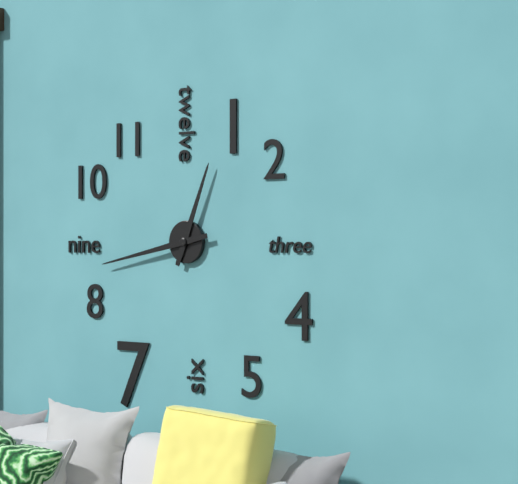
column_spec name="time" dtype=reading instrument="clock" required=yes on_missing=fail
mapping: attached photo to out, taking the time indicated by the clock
12:43
